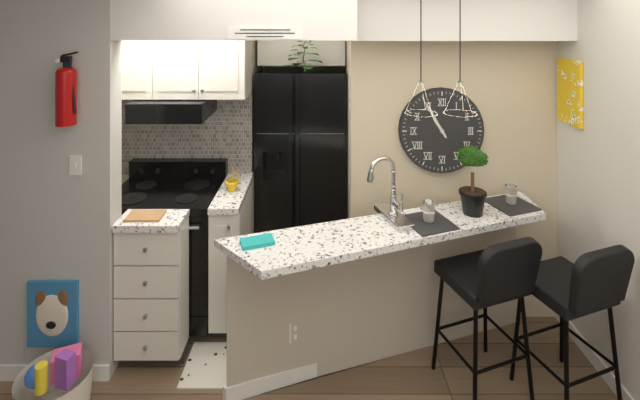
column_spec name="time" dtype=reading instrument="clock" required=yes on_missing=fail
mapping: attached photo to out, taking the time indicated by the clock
10:55
